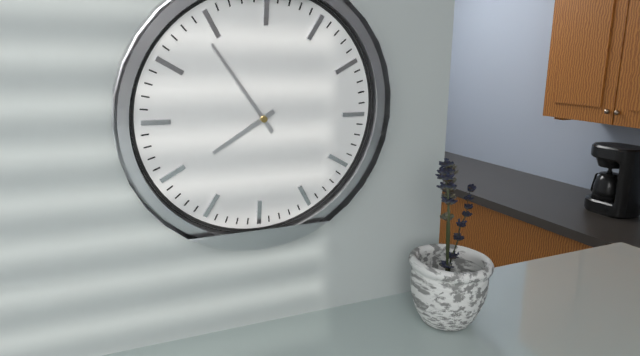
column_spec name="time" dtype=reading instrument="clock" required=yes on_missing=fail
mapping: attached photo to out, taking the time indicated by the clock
7:54
